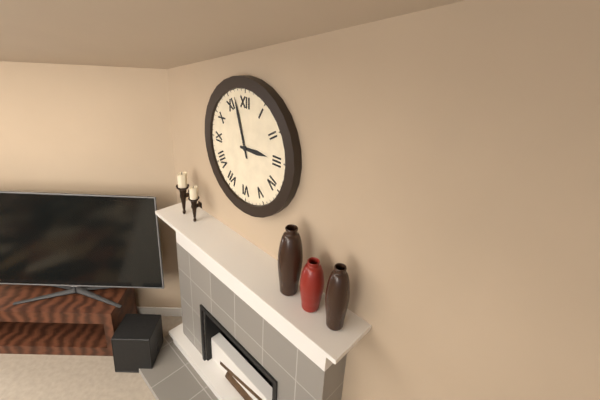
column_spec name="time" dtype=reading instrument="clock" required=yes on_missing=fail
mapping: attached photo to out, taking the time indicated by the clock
2:57
